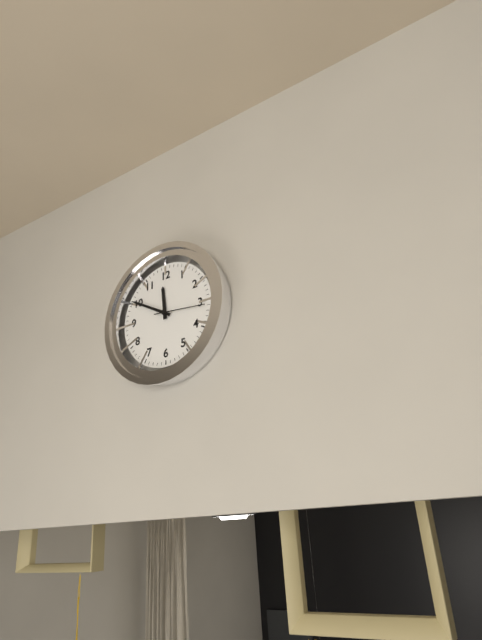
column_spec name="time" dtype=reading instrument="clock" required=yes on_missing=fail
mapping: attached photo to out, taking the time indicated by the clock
11:50:16
